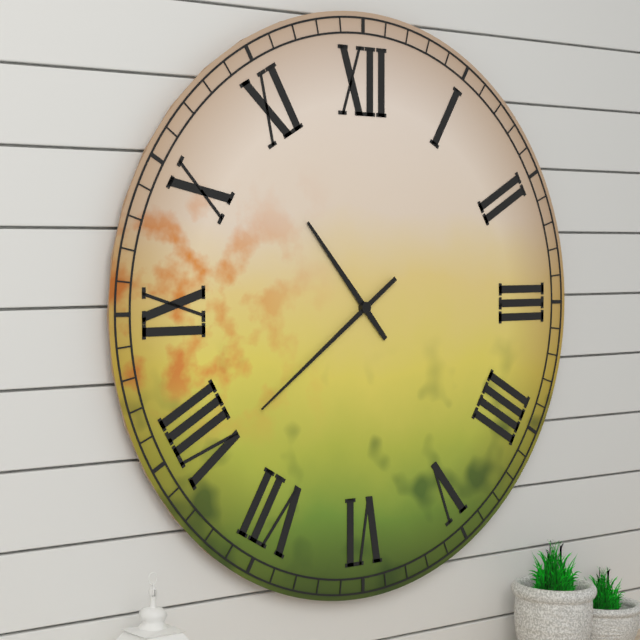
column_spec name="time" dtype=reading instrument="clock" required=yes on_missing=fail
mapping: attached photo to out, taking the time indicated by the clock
10:39
